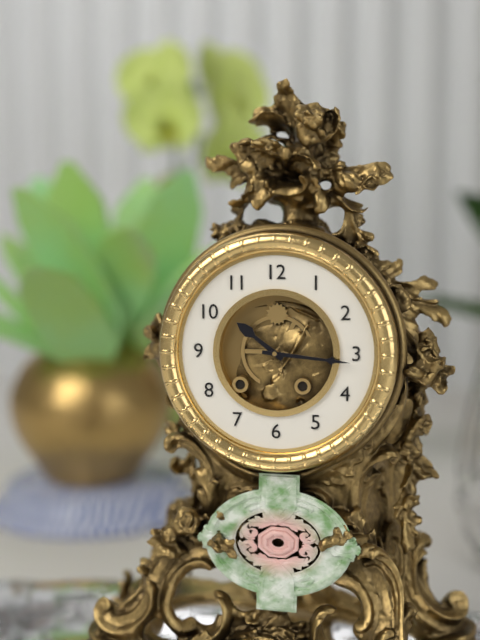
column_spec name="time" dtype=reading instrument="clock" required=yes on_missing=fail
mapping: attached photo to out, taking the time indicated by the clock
10:16
